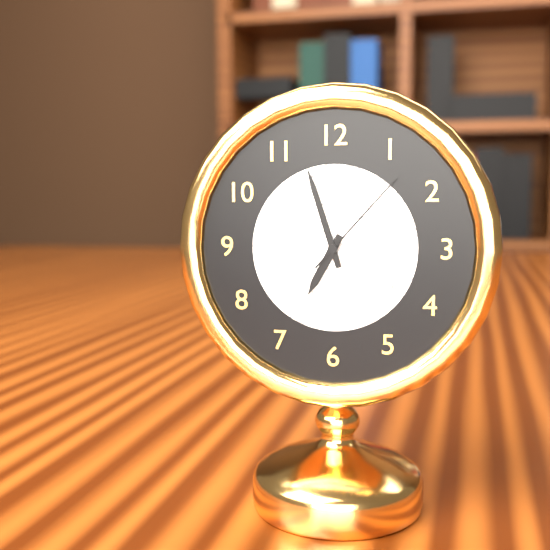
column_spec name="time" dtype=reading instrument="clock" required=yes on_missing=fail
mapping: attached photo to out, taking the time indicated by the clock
6:57:07
